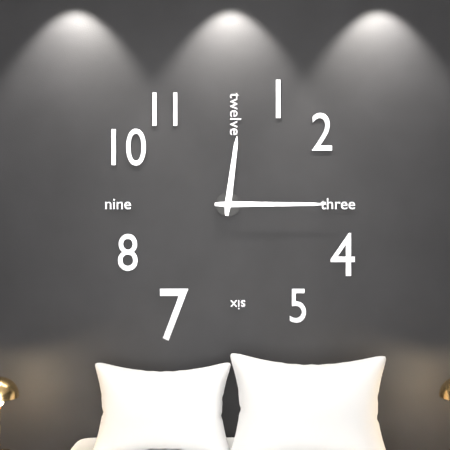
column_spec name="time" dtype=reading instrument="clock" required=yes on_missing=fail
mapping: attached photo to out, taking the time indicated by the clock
12:15
